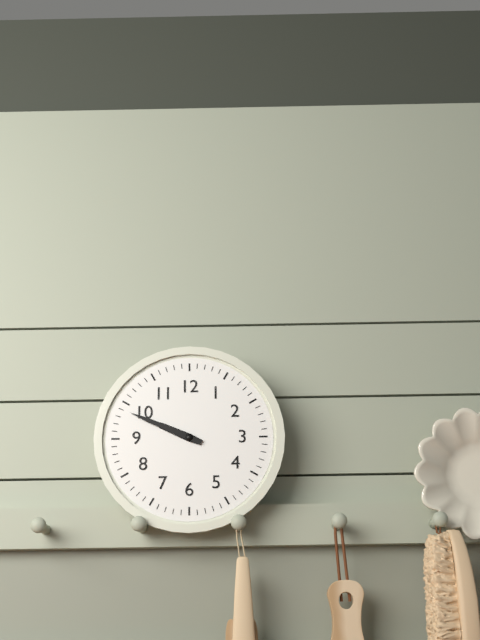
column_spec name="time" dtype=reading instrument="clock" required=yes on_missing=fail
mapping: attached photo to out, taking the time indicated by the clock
9:49
